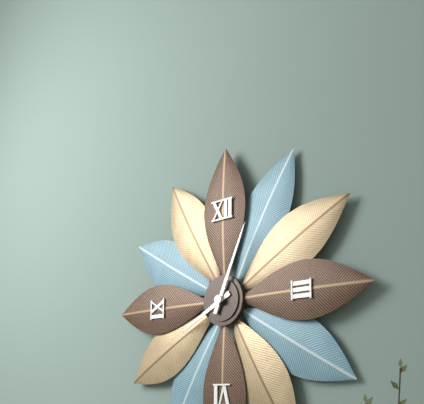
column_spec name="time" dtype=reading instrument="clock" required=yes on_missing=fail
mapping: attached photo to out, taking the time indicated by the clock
8:04
